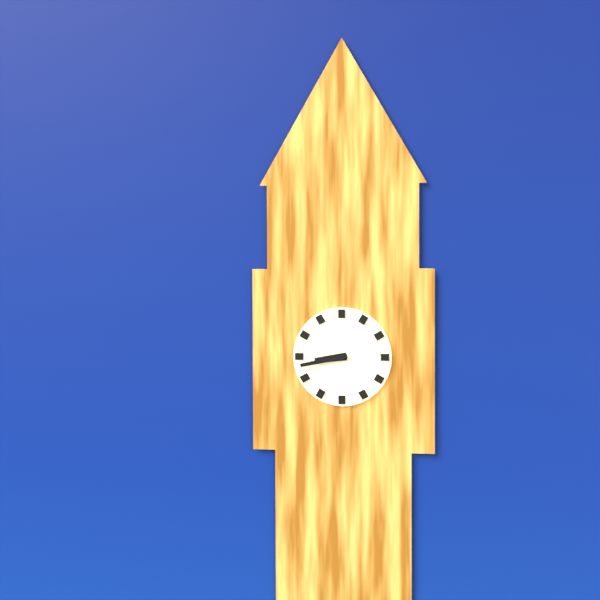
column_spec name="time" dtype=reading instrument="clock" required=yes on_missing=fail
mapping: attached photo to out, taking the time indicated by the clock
8:43
